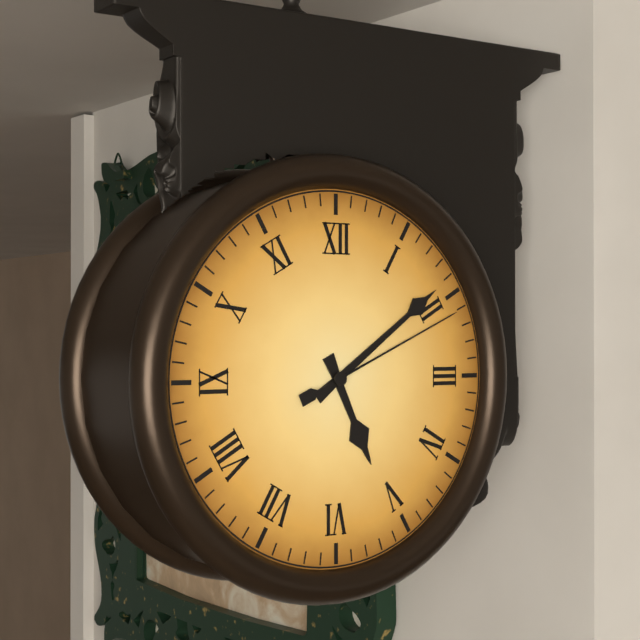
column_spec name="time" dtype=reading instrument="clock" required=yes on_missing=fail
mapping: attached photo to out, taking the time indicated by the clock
5:09:11
